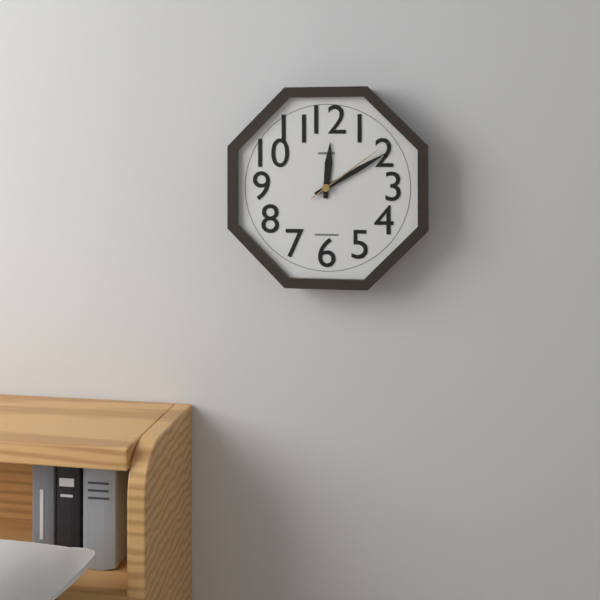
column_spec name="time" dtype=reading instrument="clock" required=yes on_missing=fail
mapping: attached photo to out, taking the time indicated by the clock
12:10:09
